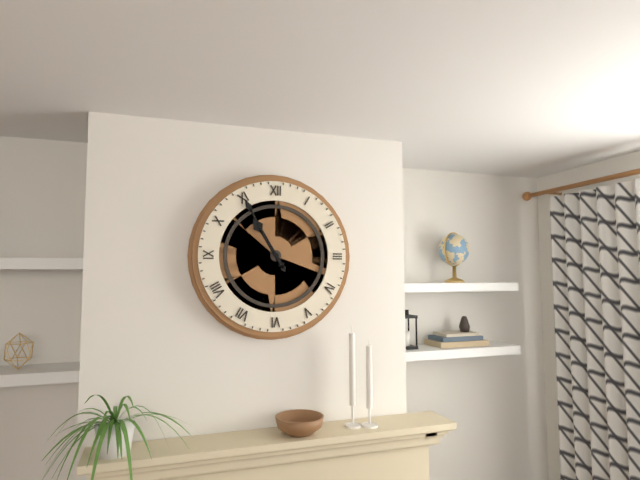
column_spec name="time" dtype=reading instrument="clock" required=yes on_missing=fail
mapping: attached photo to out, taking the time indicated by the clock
10:55
